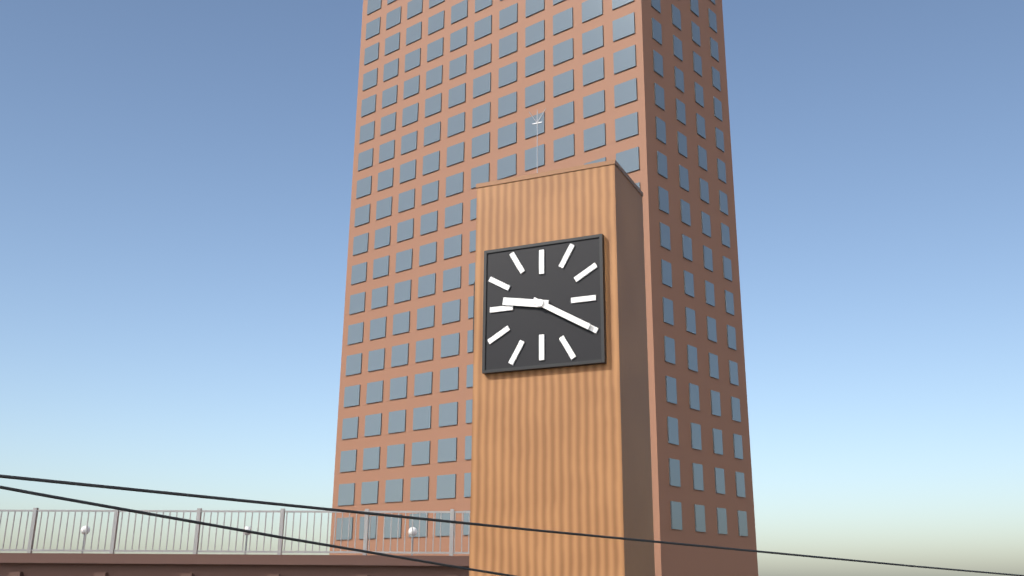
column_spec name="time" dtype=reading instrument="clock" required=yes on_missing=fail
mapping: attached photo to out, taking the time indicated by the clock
9:20
